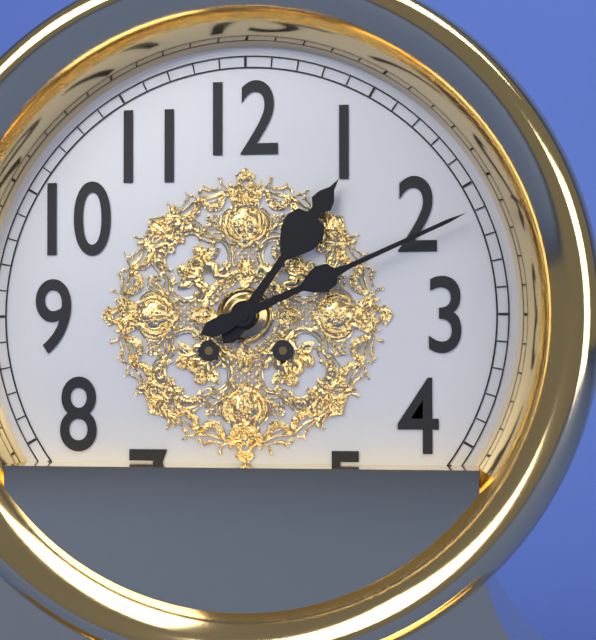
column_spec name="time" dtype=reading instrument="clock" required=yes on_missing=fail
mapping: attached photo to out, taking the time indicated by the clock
1:11
